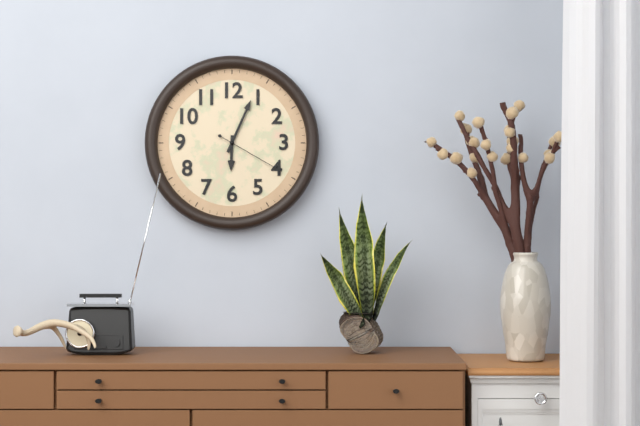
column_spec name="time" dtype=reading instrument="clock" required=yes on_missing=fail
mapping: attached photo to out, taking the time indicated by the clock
6:04:20
